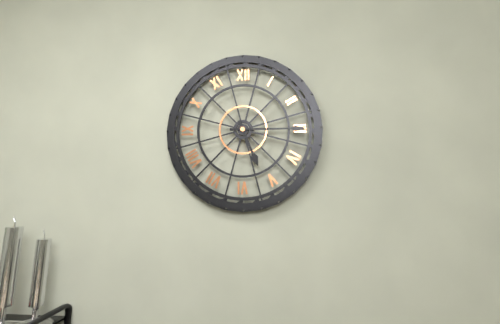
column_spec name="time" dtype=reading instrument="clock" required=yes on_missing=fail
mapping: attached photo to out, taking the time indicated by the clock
5:15
